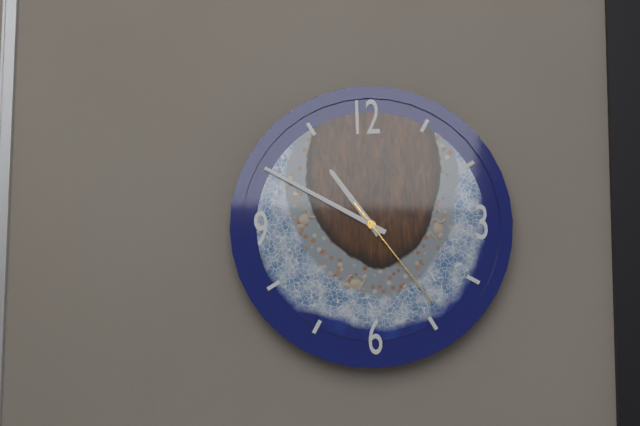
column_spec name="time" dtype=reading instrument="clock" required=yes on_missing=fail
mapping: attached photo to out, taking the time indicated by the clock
10:50:24
